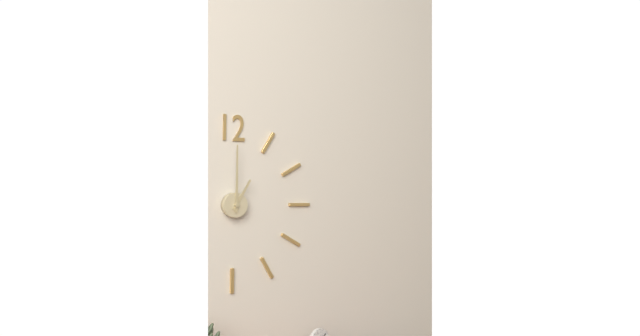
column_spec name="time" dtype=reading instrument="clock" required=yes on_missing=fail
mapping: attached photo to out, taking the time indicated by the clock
1:00
